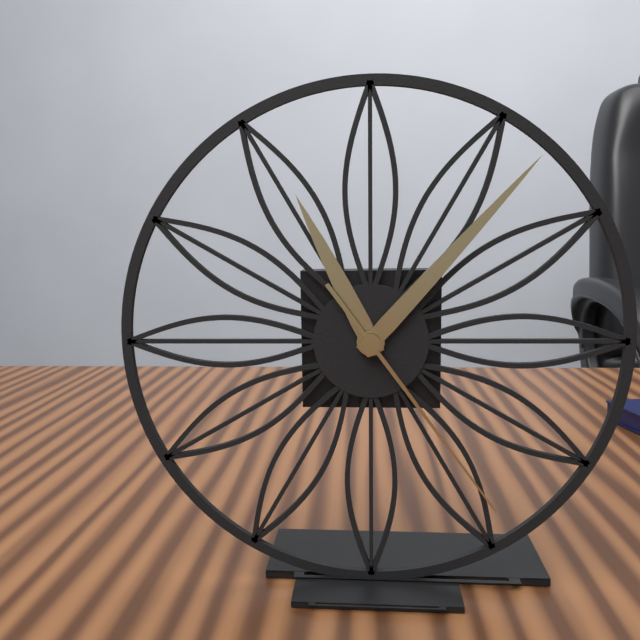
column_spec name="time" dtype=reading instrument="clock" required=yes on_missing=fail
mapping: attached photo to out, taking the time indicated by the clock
11:07:24
